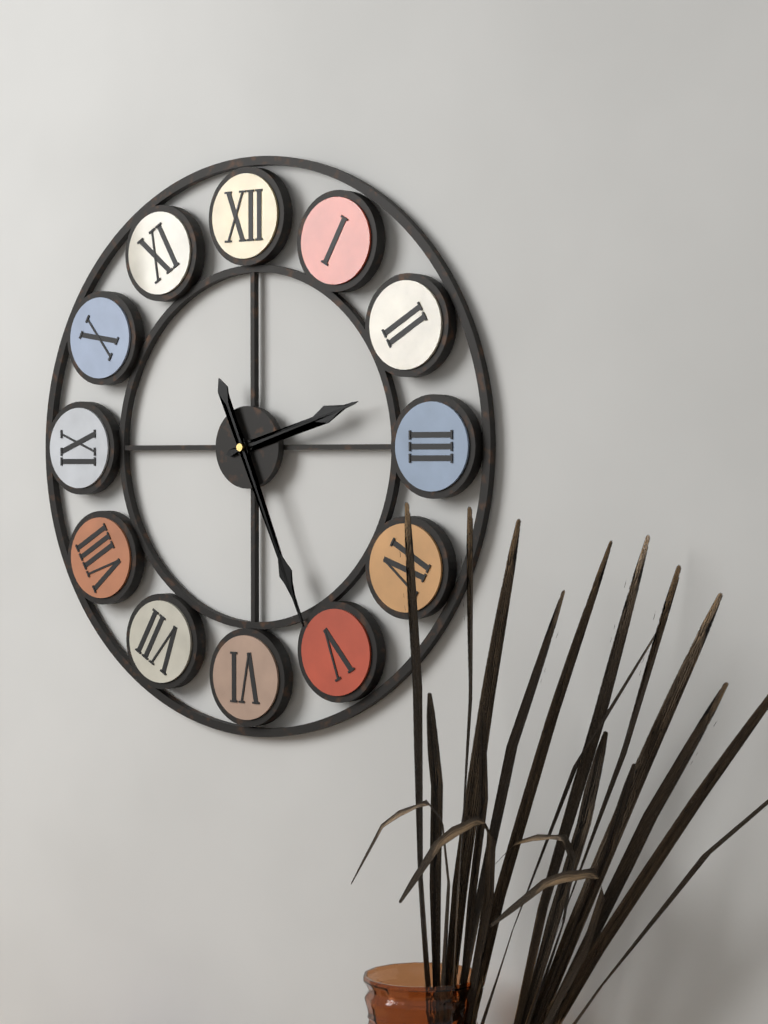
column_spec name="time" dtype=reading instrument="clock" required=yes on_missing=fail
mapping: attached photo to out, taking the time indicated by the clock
2:26
